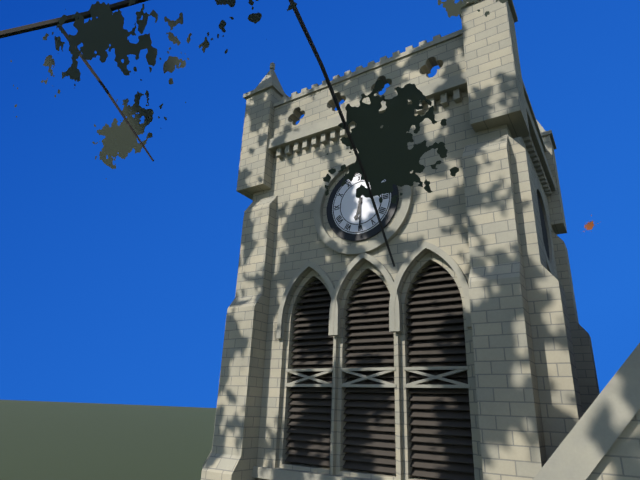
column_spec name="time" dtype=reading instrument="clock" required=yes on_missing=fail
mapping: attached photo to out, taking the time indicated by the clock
6:30
